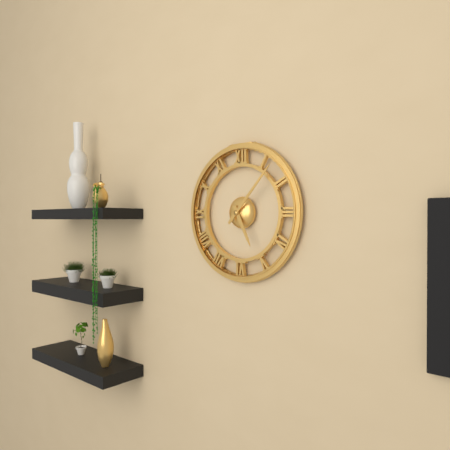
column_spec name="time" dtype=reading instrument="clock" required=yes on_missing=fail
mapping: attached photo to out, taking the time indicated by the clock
5:07
